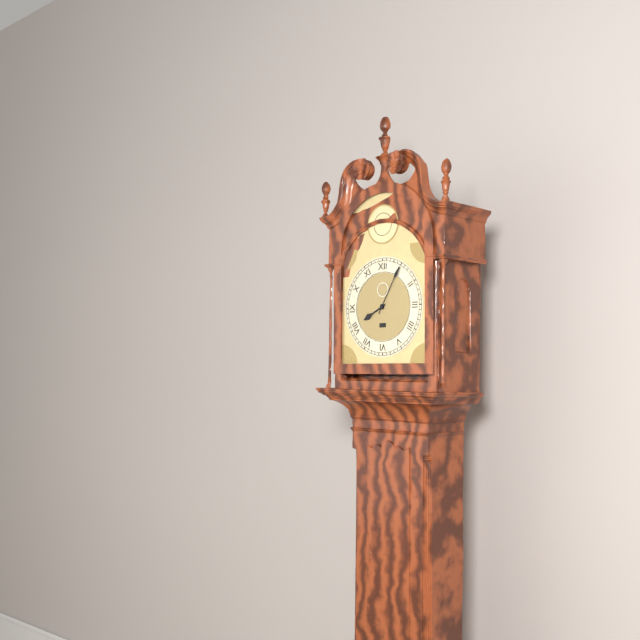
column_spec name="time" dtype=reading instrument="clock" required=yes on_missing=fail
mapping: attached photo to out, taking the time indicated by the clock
8:05
